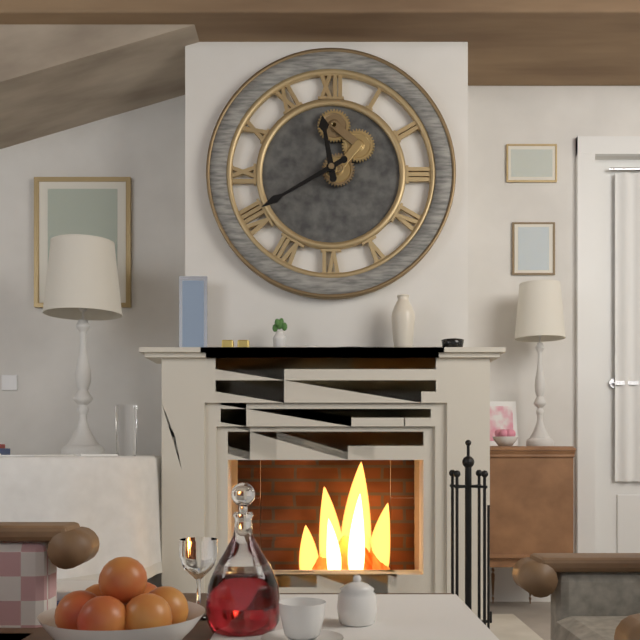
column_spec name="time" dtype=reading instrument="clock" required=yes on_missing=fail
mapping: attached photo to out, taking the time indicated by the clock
11:40
